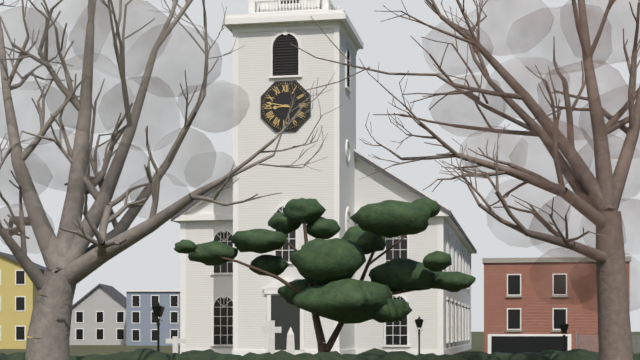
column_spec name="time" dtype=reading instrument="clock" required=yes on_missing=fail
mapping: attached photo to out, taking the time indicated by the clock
8:47
